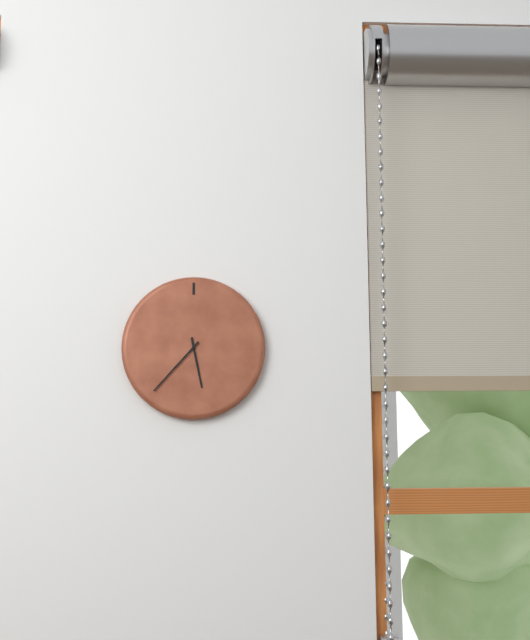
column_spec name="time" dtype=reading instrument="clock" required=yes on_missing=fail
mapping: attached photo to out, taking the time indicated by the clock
5:37
